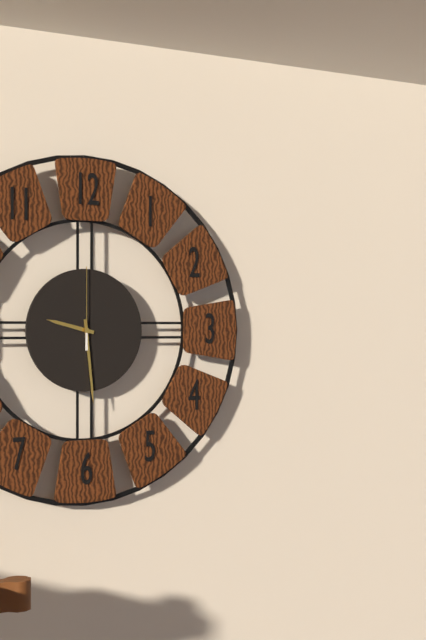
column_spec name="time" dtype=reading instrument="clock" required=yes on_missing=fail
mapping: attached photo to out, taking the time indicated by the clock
9:29:00
